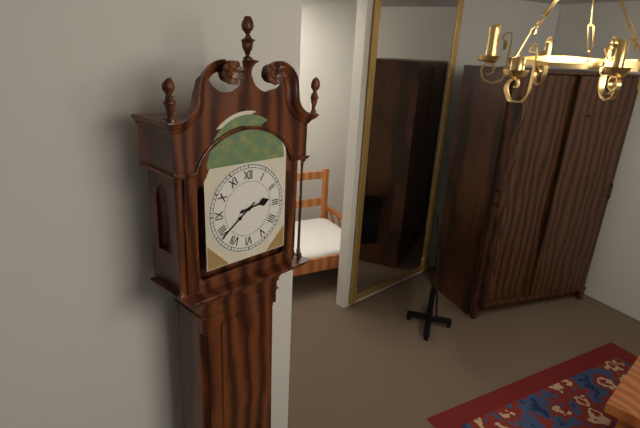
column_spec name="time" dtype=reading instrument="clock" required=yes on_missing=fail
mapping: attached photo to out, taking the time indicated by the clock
2:39
